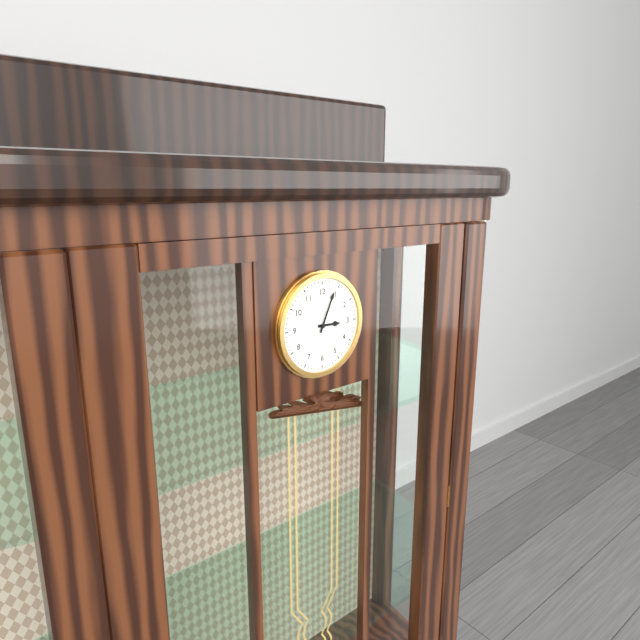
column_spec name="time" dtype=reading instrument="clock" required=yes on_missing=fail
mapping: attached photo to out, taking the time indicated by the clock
3:04
